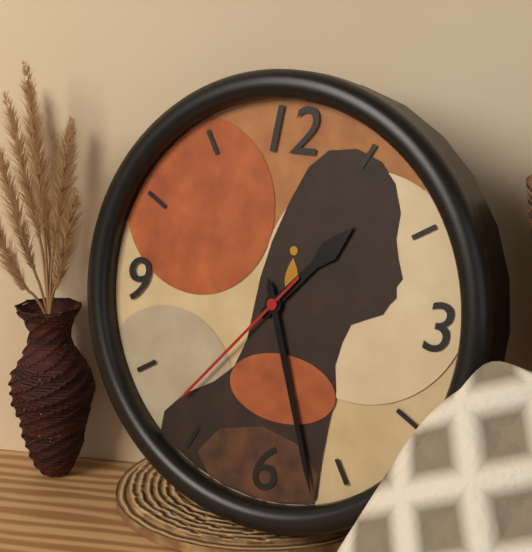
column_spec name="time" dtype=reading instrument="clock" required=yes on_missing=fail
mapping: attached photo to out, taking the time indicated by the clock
1:27:37
